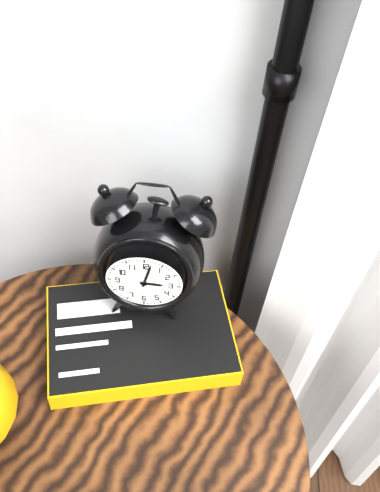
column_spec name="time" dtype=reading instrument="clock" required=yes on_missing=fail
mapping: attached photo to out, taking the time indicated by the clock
3:02
